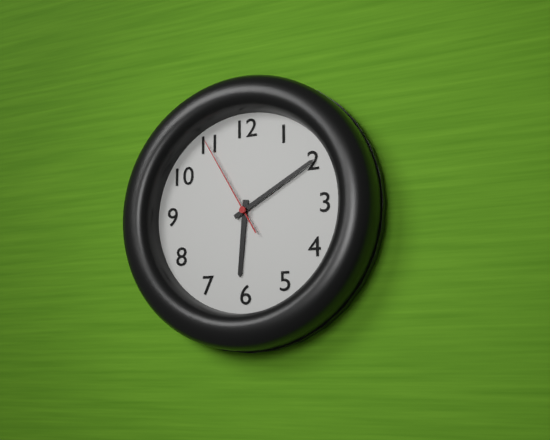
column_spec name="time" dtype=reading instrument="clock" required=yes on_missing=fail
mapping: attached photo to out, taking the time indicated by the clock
6:10:55
